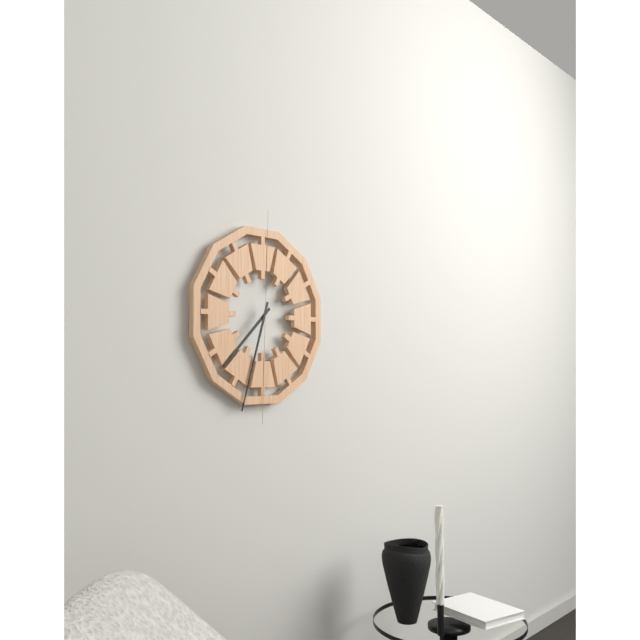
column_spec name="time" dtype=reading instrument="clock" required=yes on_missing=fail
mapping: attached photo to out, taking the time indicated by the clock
7:33
